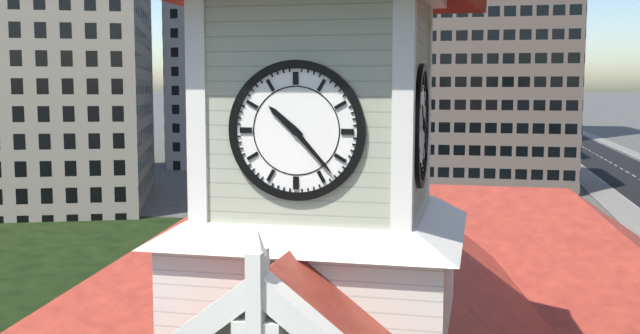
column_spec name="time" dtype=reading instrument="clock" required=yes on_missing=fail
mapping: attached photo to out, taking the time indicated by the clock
10:23
